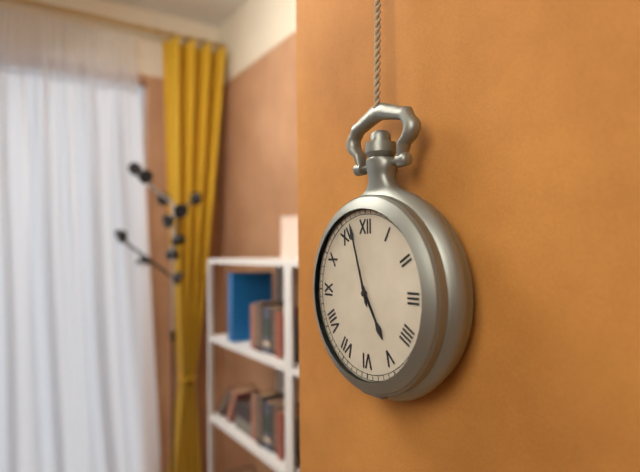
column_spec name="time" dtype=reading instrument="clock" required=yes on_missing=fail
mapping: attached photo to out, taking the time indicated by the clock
4:57
